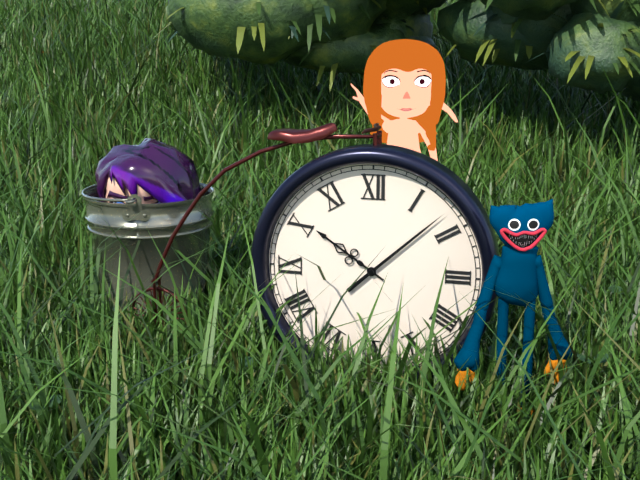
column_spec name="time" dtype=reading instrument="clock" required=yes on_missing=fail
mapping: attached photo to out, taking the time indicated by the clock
10:08
